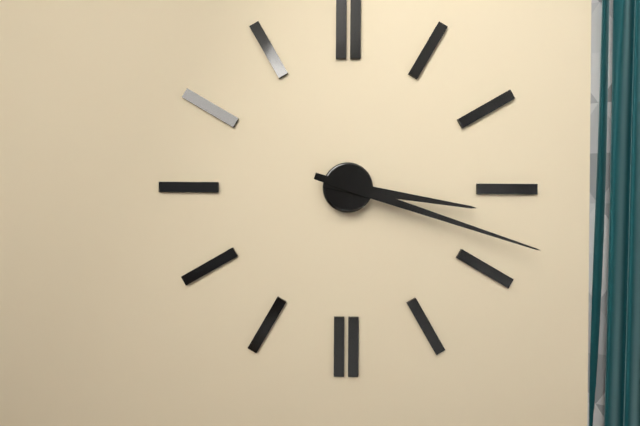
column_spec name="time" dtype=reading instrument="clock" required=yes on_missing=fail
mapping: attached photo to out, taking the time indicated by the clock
3:18
